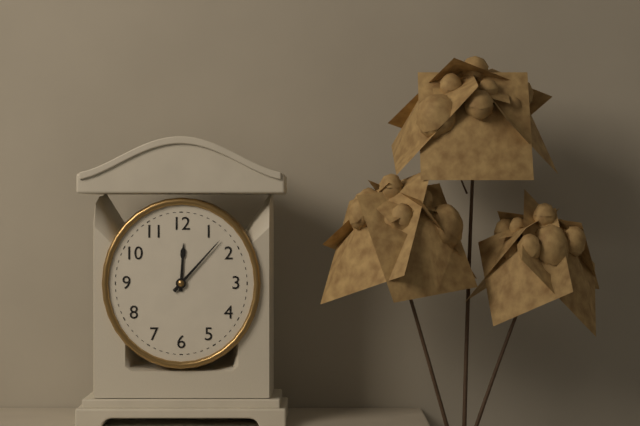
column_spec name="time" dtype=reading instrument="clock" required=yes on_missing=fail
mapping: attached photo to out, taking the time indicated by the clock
12:07
